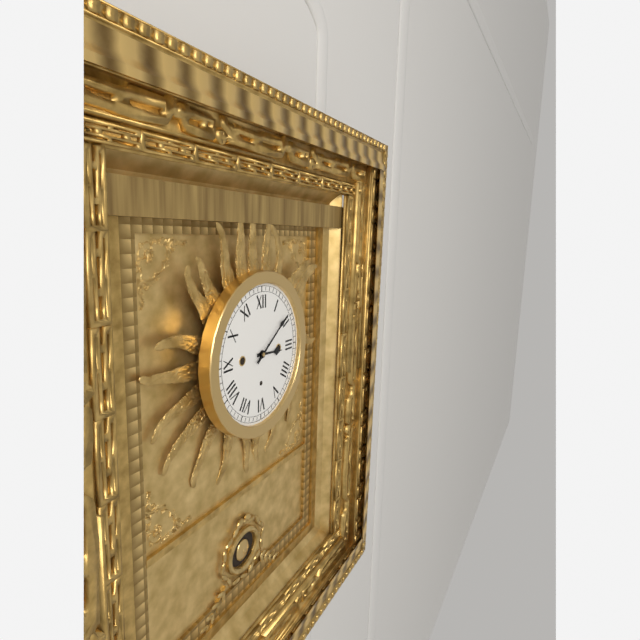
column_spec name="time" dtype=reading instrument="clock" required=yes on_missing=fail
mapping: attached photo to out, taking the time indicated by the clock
3:09
